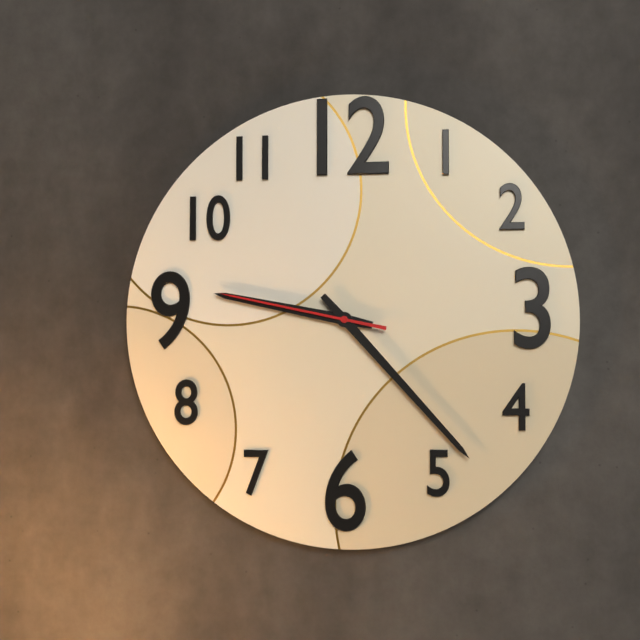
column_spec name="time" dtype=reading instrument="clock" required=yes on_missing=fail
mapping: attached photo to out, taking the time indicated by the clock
9:23:47
